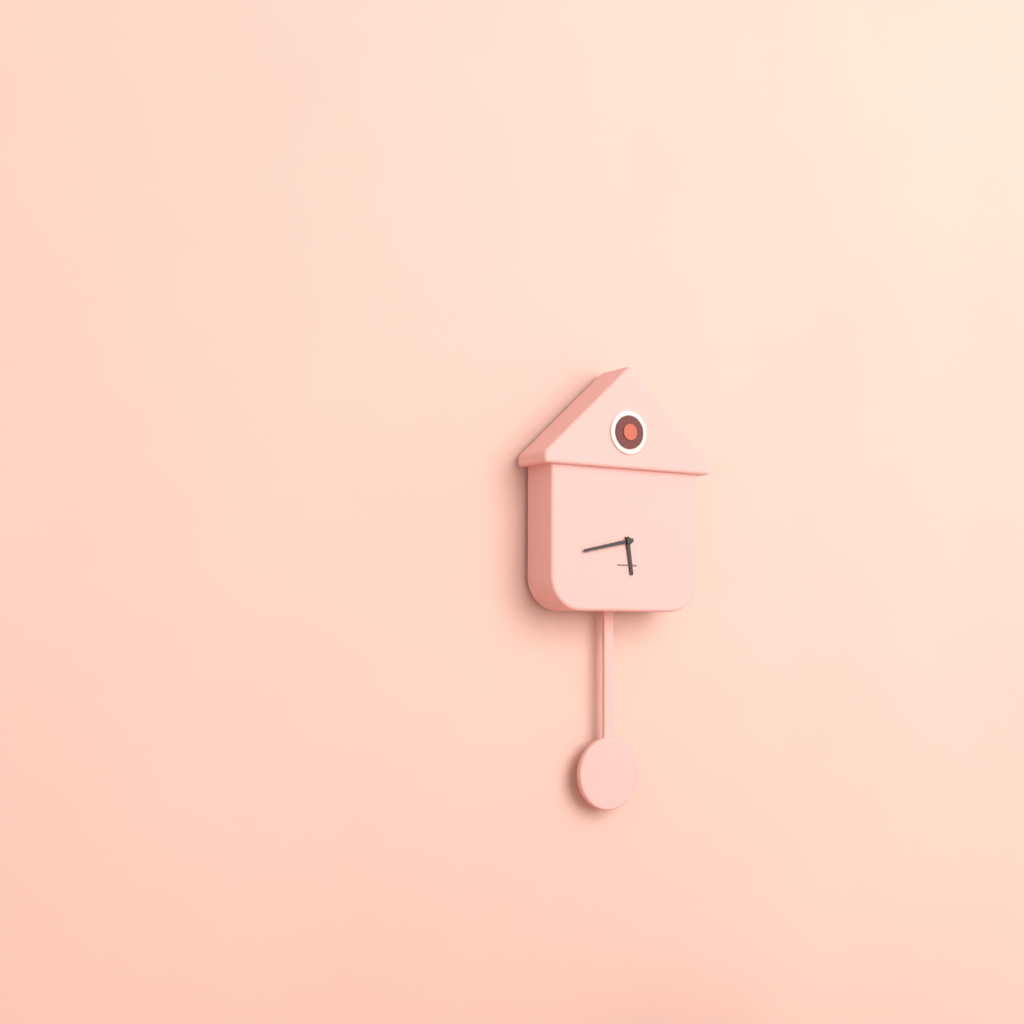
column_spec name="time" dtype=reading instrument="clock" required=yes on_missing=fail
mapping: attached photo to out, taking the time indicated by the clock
5:43
